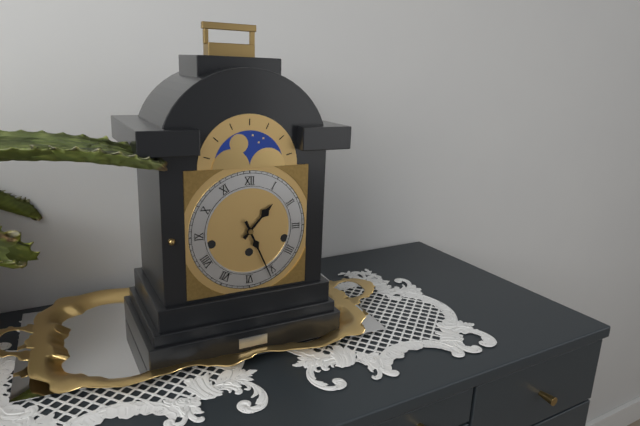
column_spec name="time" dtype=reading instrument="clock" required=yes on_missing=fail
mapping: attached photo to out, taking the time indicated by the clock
1:26
